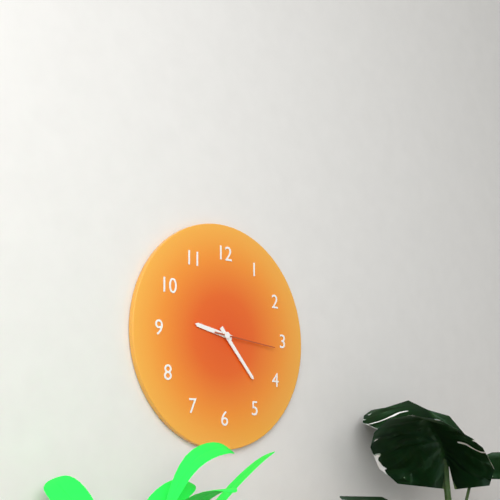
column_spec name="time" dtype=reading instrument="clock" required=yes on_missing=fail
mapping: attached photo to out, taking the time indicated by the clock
9:23:16
